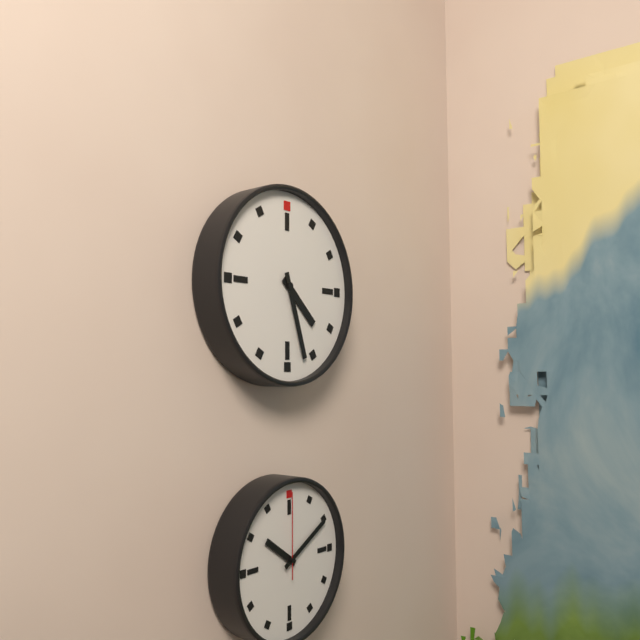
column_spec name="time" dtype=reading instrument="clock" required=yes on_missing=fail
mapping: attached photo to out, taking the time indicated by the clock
4:27
